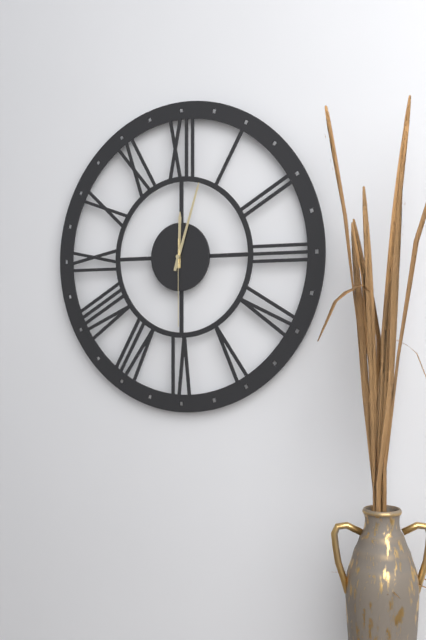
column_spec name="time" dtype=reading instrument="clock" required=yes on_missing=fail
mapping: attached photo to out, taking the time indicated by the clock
12:03:30
